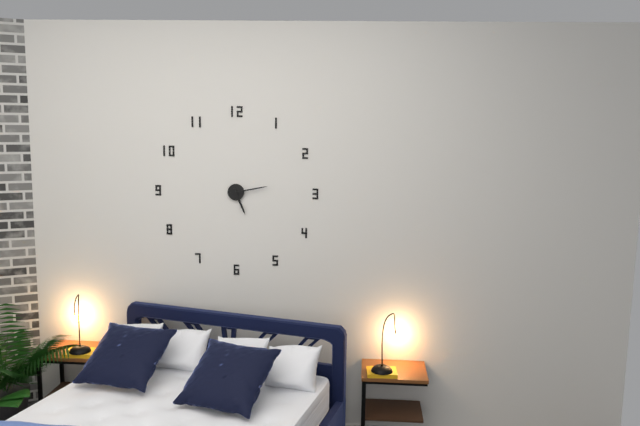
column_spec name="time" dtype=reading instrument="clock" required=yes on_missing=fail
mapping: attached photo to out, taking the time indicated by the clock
5:13
